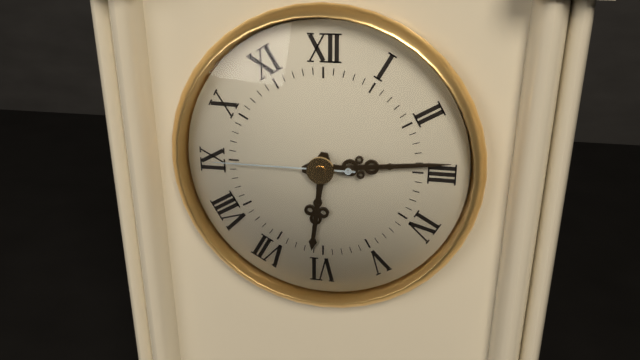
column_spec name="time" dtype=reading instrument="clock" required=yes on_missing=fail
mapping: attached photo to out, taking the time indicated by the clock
6:14:45
